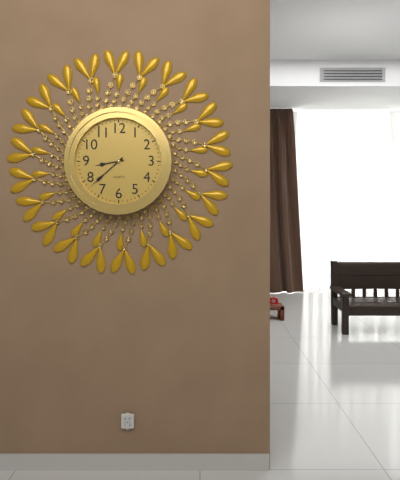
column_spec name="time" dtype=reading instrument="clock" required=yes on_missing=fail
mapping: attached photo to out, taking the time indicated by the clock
8:38
